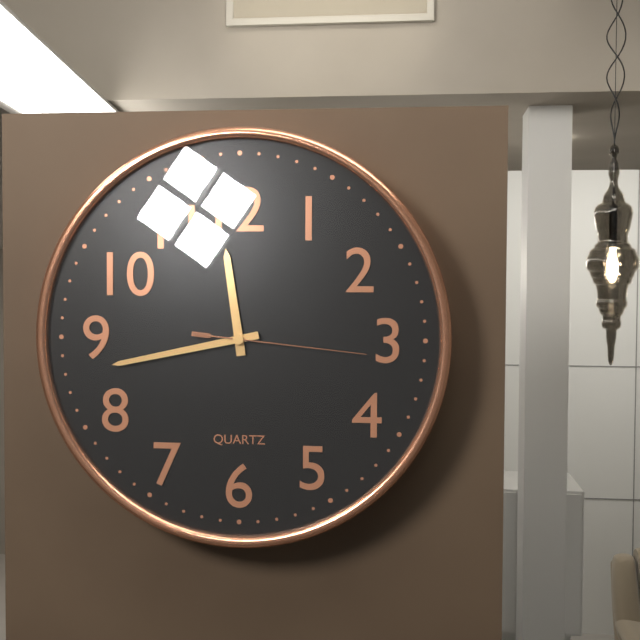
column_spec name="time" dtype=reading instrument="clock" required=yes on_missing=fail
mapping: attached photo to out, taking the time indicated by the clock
11:43:16
